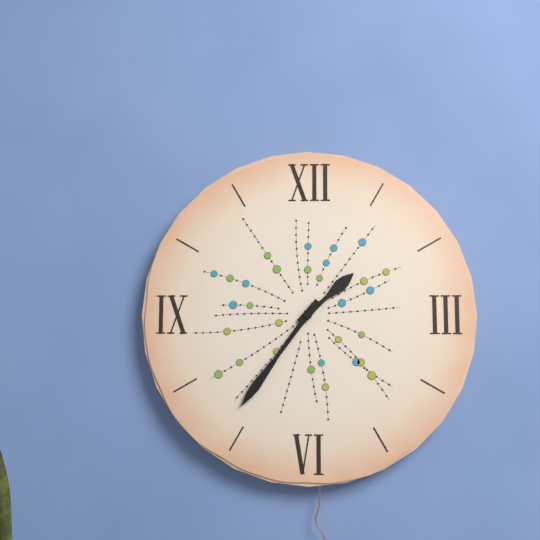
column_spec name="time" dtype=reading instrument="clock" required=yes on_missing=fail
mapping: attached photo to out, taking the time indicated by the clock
1:36
